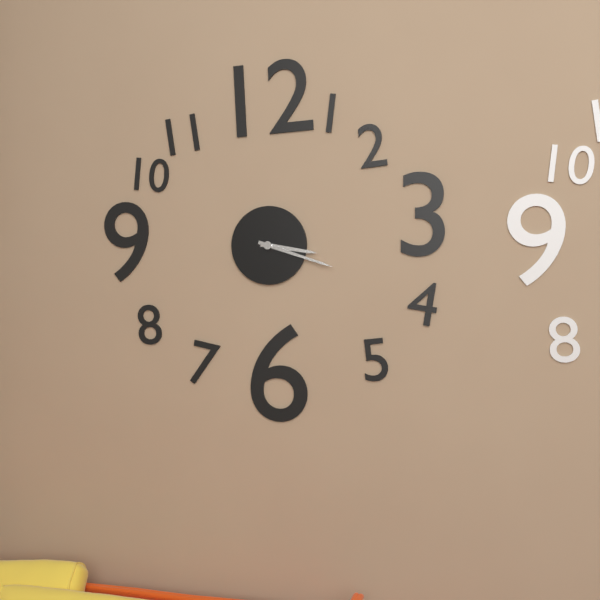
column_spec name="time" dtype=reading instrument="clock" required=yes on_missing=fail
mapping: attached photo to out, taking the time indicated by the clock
3:18
